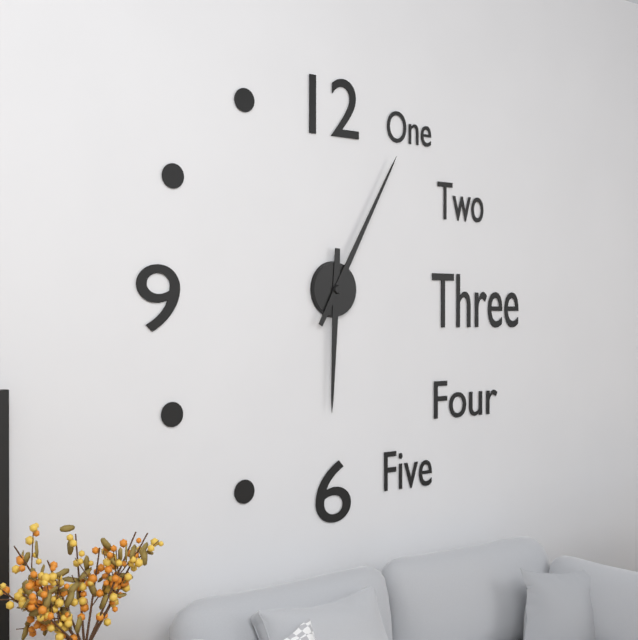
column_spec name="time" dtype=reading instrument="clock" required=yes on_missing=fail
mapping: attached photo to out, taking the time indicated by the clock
6:05
